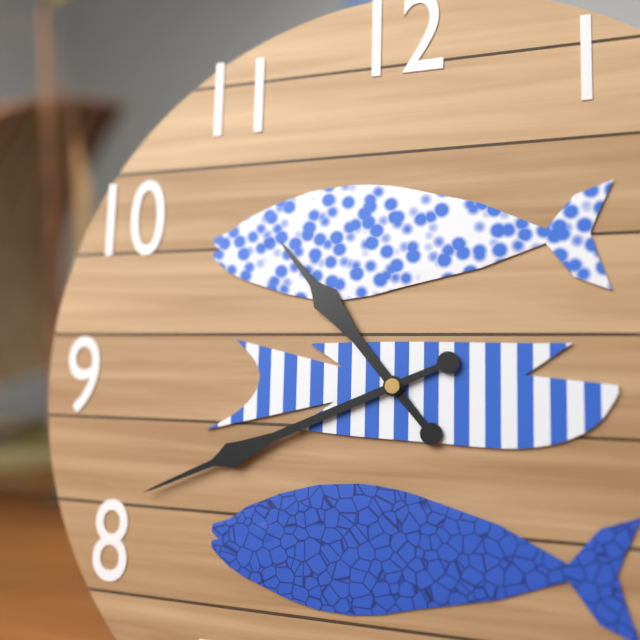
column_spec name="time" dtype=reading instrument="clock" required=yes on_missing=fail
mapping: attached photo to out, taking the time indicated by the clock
10:41
